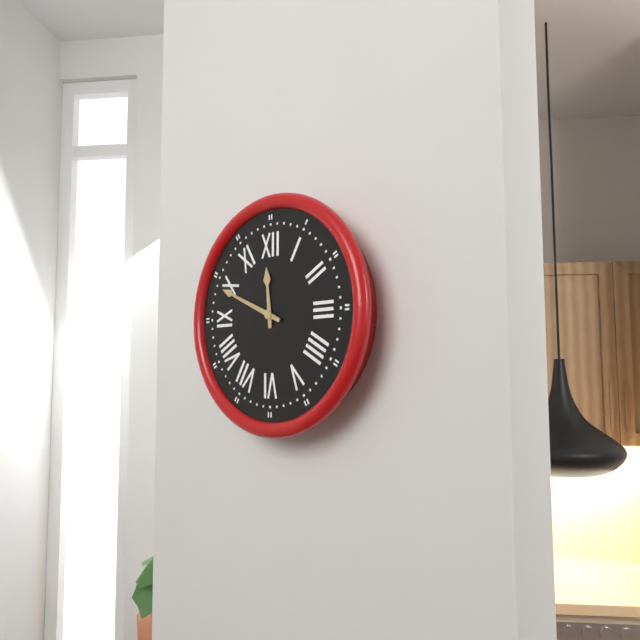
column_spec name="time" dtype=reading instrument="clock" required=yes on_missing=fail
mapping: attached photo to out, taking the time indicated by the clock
11:49
